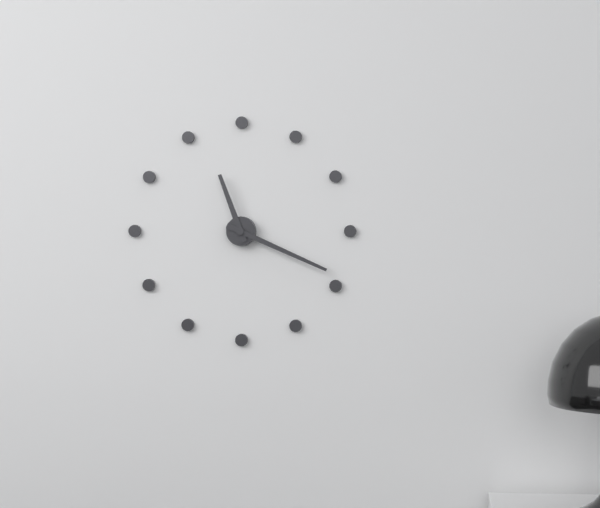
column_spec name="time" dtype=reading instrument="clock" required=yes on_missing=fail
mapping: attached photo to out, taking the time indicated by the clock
11:19
